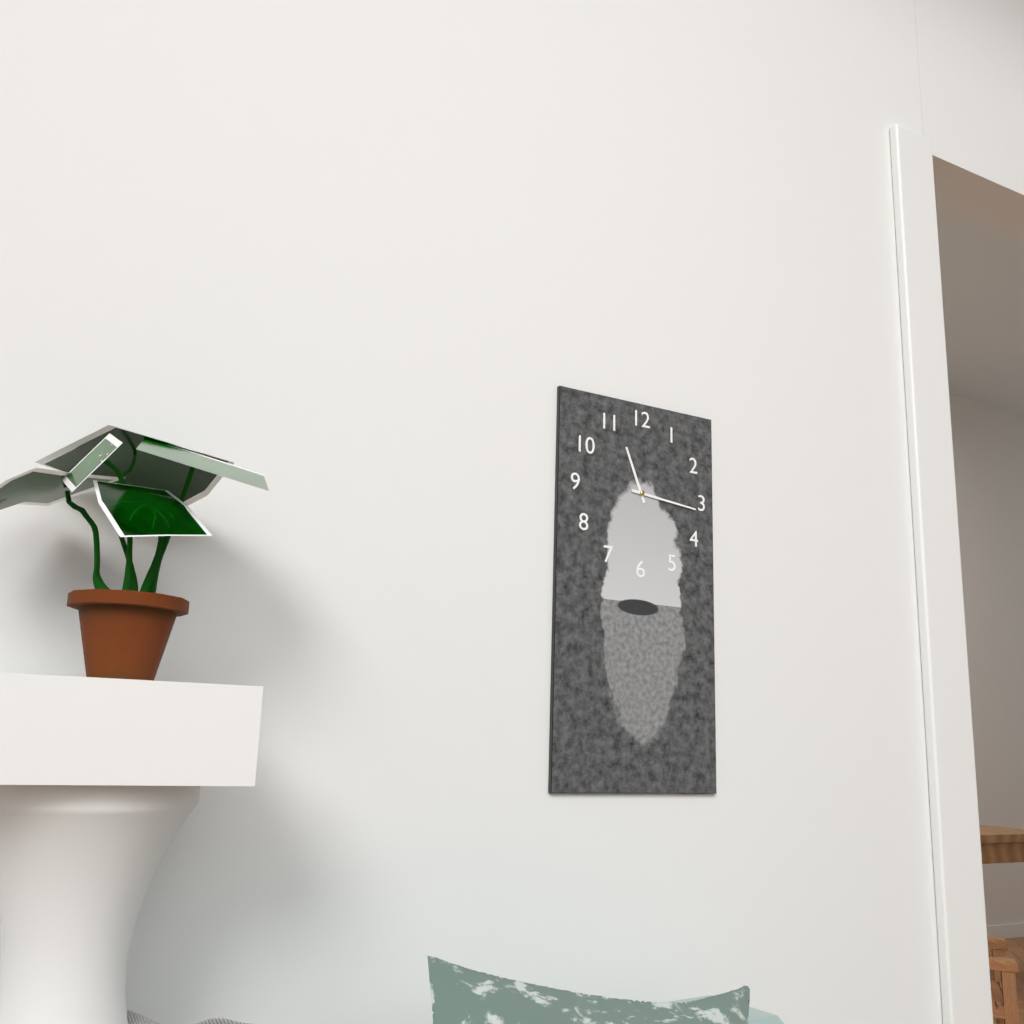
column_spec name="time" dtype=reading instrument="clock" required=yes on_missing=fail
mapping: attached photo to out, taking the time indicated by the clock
11:16
